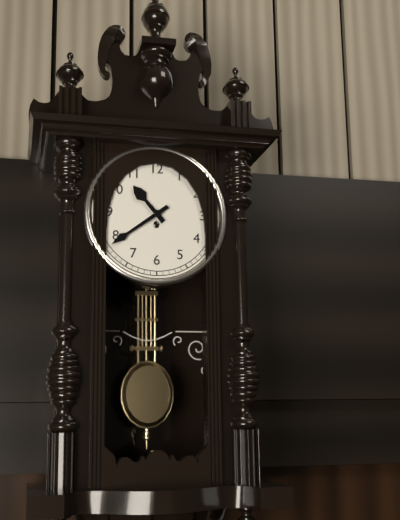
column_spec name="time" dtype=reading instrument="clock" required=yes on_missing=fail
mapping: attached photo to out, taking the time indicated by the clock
10:39
